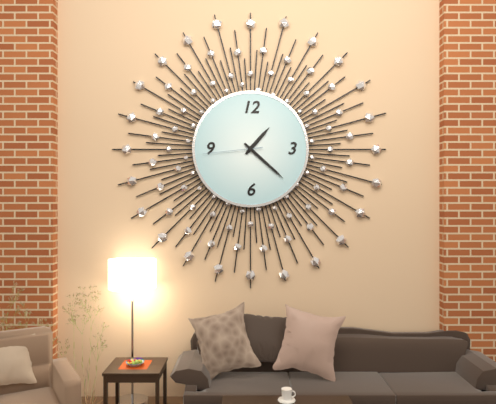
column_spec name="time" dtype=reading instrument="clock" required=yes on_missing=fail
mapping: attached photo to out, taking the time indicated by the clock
1:22:44
